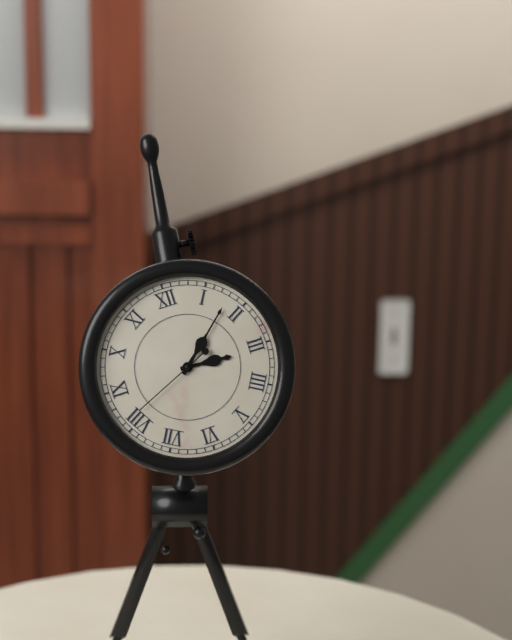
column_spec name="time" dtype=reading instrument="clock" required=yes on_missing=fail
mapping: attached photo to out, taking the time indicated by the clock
3:08:41
